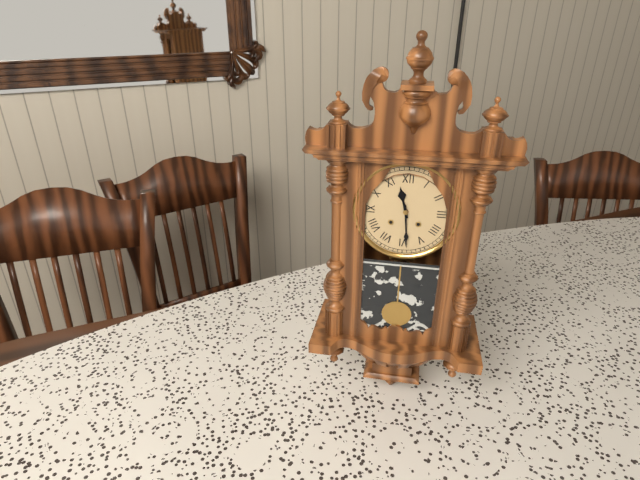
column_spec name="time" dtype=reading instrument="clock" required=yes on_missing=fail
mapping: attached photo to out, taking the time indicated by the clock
11:29
